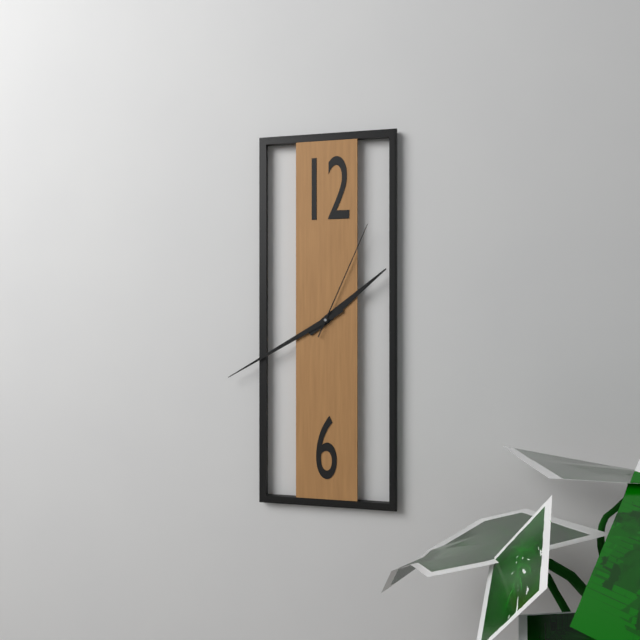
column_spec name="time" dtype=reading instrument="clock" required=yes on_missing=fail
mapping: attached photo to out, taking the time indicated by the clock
1:40:04
